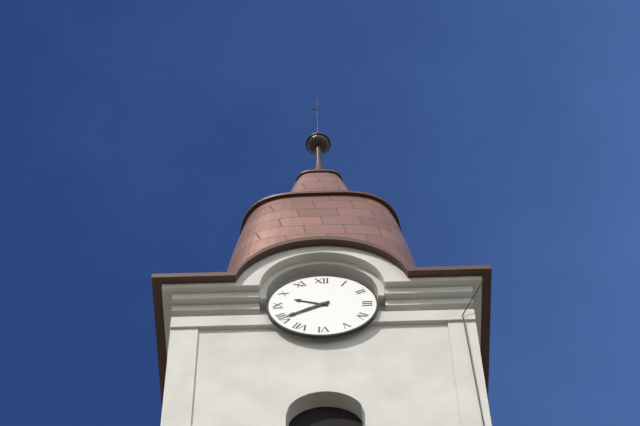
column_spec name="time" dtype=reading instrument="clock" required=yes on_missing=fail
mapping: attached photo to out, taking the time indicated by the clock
9:40
